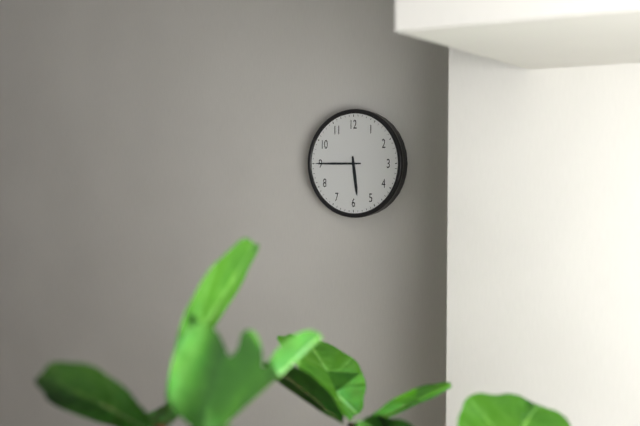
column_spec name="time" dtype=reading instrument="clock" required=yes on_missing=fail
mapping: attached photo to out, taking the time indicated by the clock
5:45
